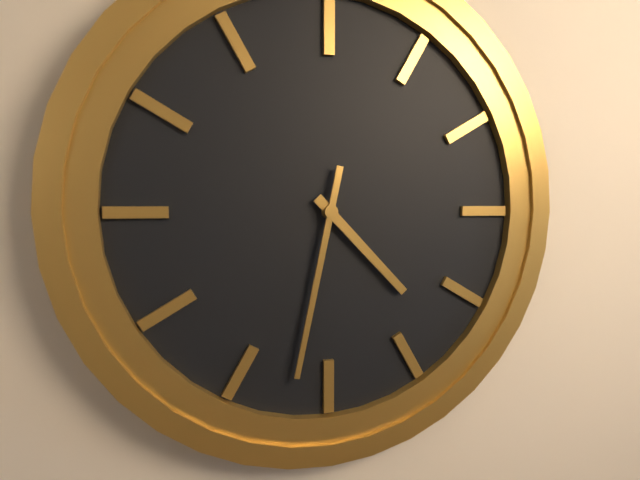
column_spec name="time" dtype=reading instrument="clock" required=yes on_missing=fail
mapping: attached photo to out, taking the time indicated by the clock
4:32
